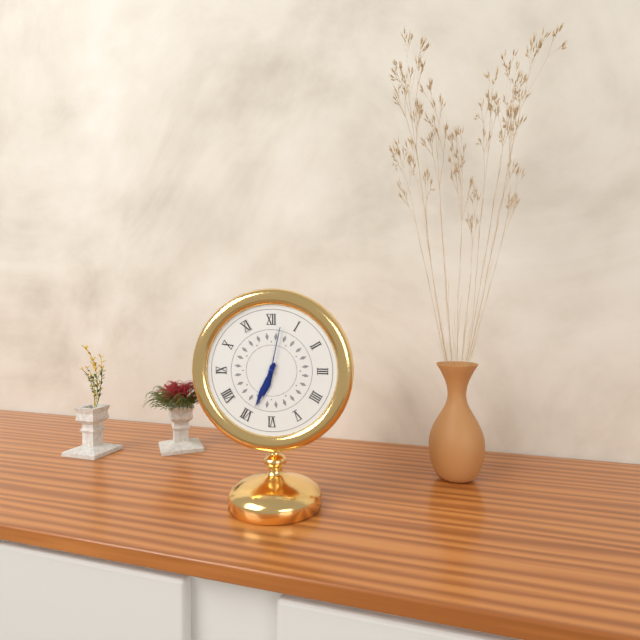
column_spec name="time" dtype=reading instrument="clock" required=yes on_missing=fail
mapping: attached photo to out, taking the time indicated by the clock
6:34:02
